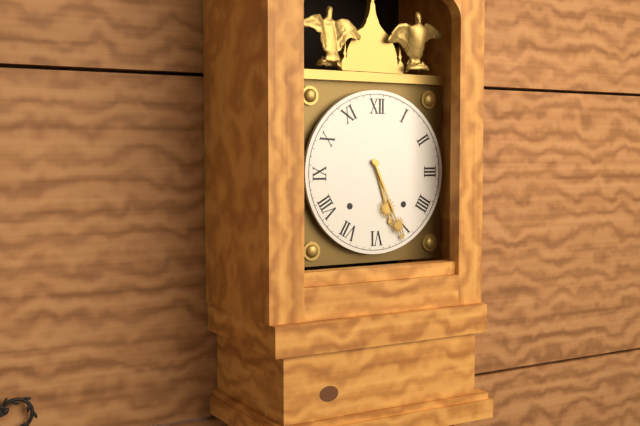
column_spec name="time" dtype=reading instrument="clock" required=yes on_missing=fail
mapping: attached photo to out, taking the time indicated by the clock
5:26
